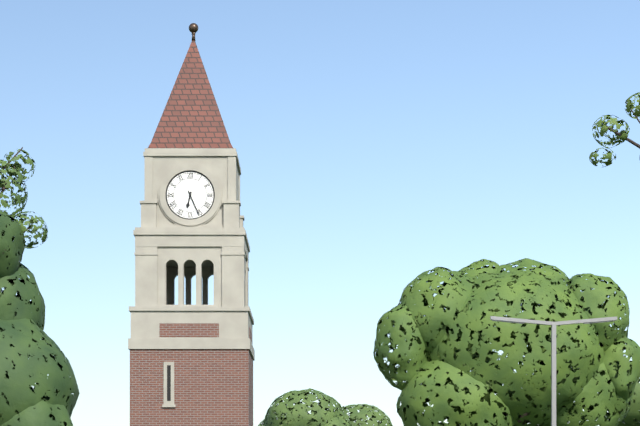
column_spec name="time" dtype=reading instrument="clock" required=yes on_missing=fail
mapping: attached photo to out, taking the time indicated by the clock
6:26
